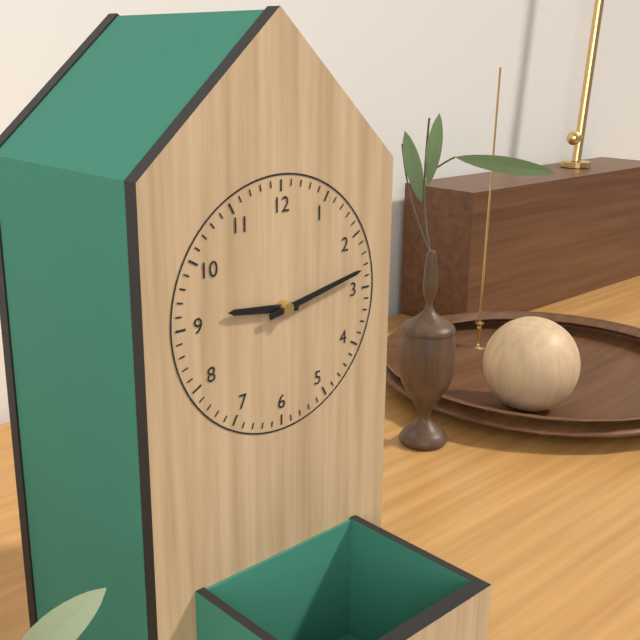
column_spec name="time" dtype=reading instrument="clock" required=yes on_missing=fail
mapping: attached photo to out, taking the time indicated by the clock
9:13
